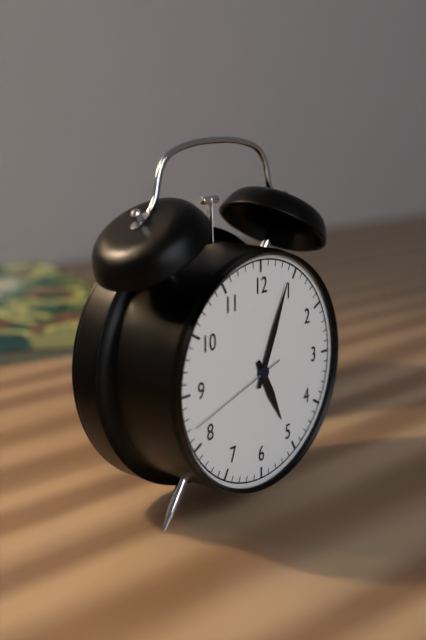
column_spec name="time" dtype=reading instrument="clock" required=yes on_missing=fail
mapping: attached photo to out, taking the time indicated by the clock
5:04:42
